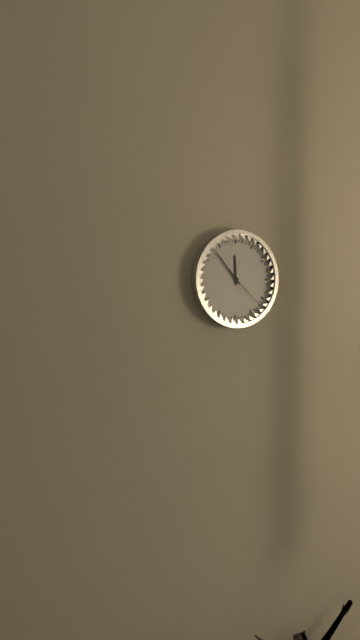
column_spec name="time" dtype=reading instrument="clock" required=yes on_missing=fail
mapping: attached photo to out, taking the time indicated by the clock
11:53
